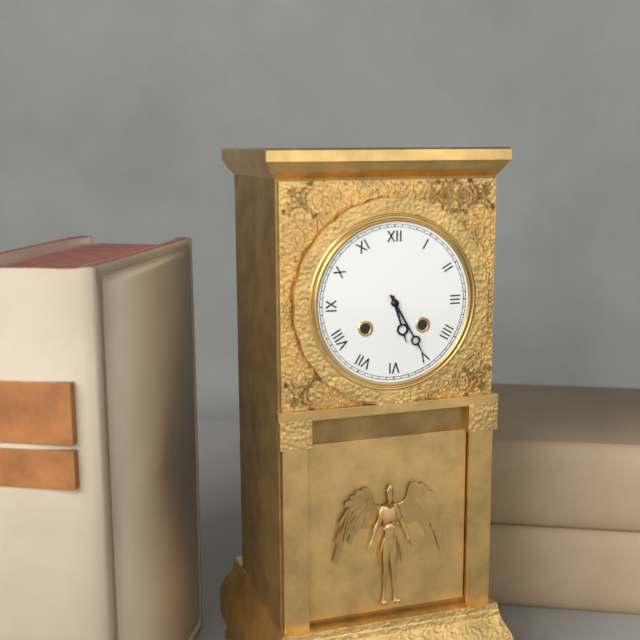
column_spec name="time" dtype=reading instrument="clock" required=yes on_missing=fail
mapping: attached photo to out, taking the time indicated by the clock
5:25
